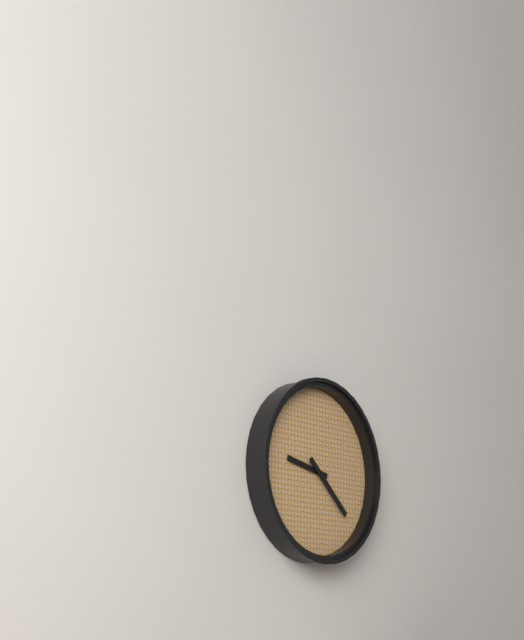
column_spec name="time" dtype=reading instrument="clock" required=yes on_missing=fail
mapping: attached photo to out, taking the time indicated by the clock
9:22
